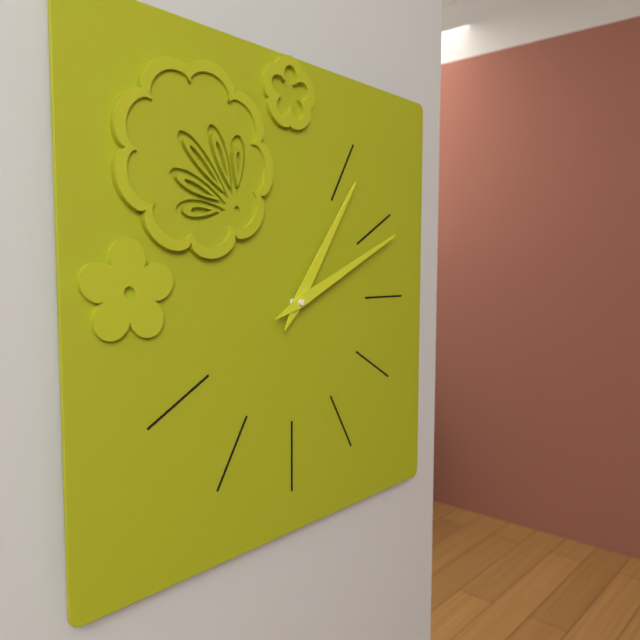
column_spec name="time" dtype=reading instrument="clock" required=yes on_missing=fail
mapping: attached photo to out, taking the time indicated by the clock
1:11
